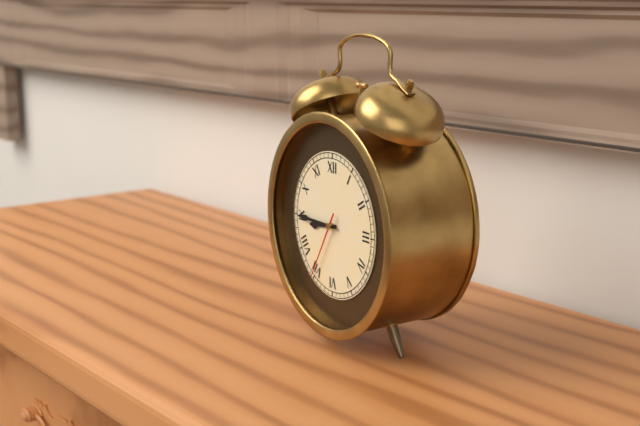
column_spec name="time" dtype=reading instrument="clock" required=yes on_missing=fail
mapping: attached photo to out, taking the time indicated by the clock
8:45:35
